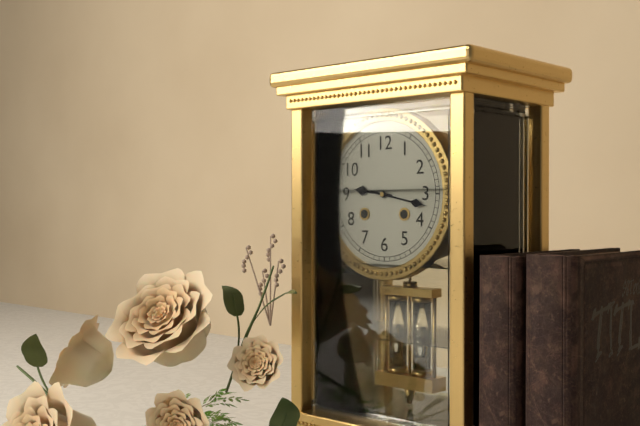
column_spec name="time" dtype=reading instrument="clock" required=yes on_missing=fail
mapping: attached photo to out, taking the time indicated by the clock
9:17
